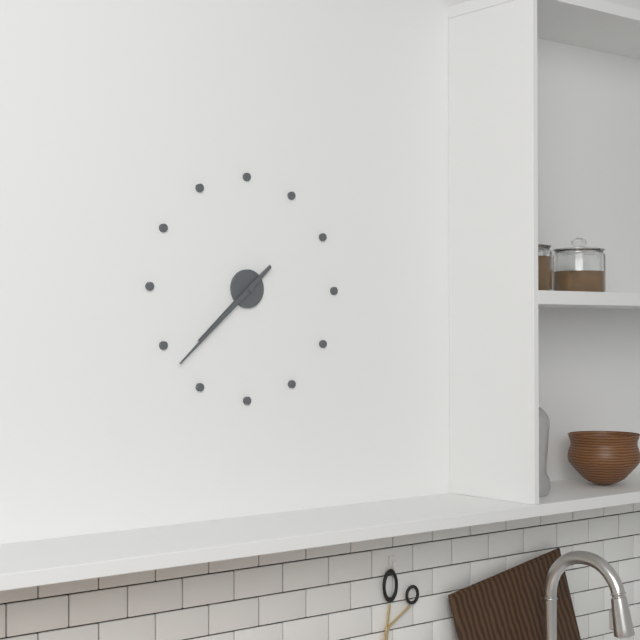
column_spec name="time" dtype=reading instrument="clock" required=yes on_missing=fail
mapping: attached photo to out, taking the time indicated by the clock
7:38
